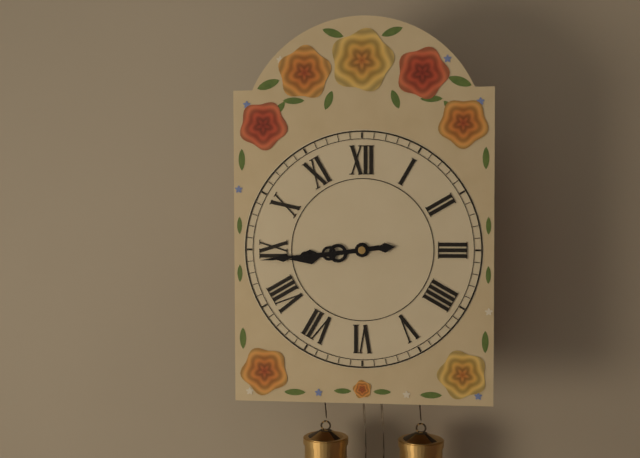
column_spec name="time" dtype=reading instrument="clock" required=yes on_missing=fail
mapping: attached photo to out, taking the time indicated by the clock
8:44
